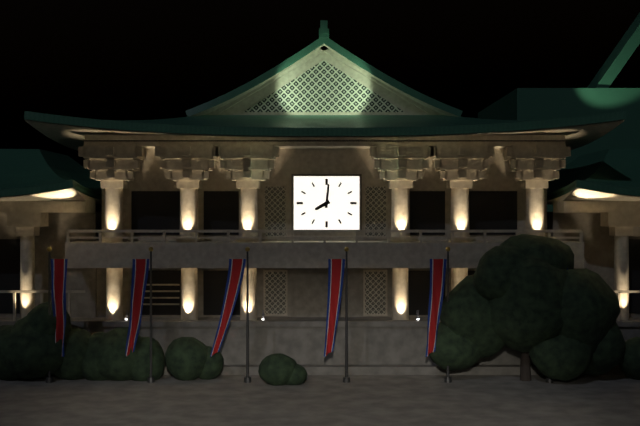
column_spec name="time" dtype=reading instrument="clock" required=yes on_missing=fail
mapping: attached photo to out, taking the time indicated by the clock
8:01
